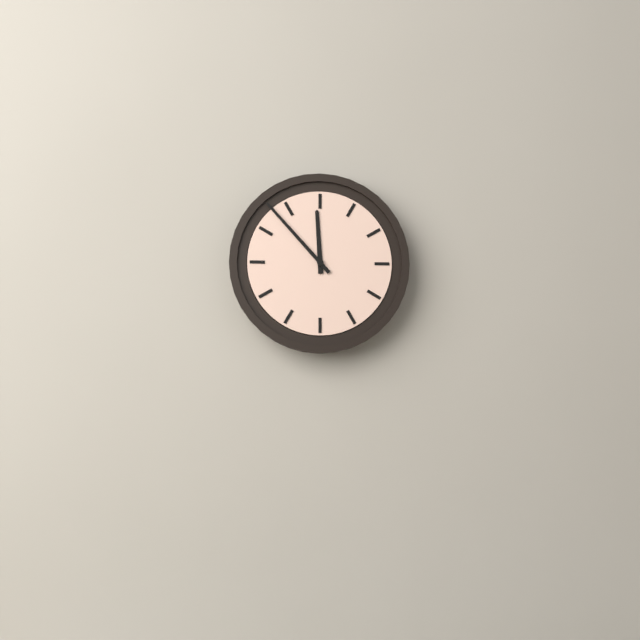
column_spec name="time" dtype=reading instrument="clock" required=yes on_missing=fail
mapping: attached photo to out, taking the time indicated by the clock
11:53
